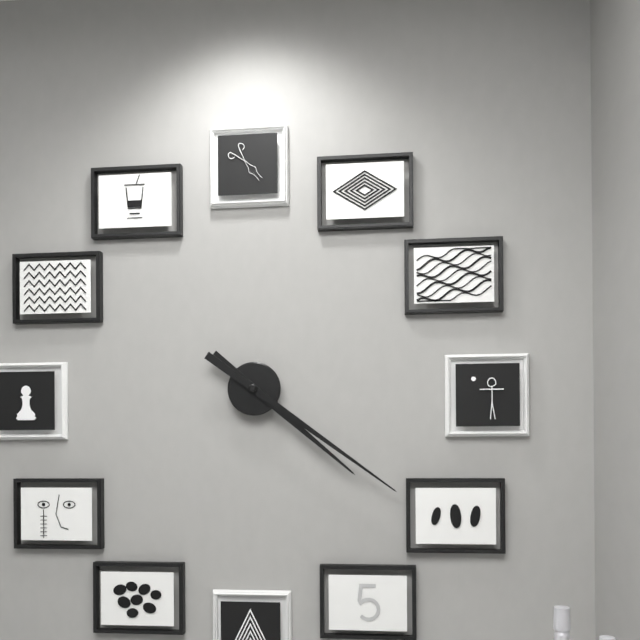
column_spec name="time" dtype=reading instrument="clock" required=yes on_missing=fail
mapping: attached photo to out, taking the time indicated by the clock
4:21
